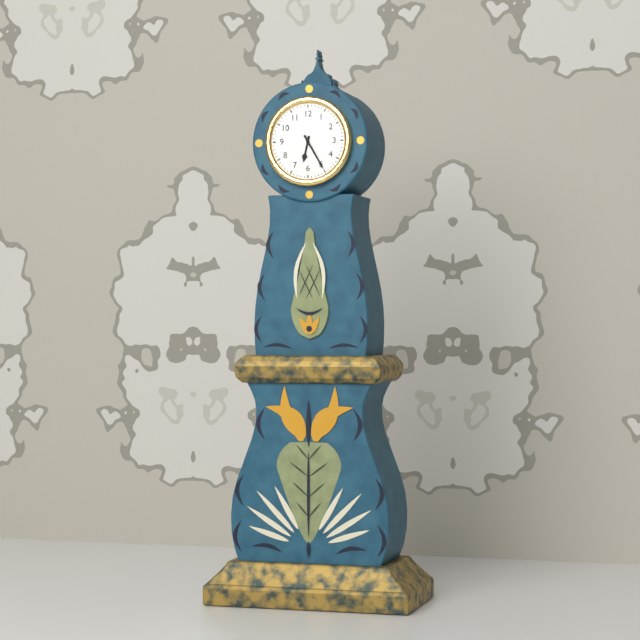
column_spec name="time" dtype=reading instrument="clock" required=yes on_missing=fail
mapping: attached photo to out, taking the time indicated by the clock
6:25
